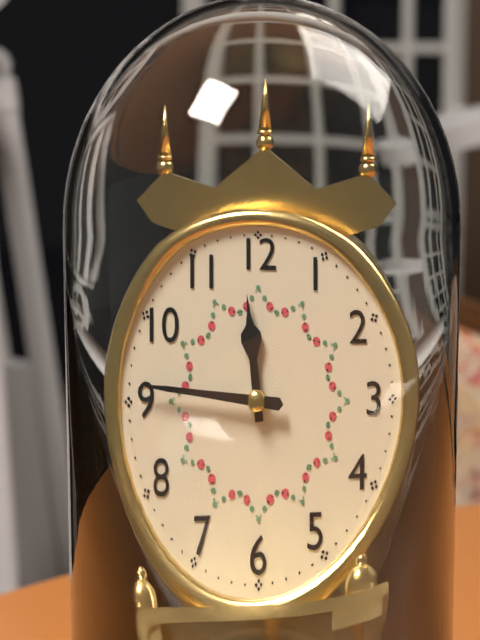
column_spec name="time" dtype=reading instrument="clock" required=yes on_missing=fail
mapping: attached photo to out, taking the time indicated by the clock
11:46
